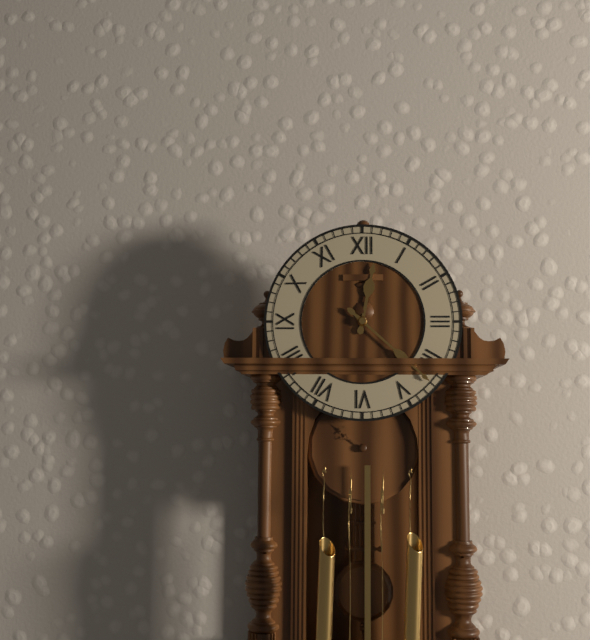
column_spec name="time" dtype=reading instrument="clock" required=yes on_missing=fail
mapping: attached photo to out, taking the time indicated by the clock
12:22
